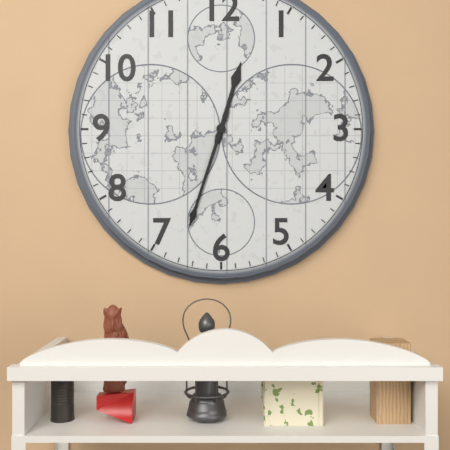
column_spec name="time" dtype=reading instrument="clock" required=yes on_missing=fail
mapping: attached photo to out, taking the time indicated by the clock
12:33
